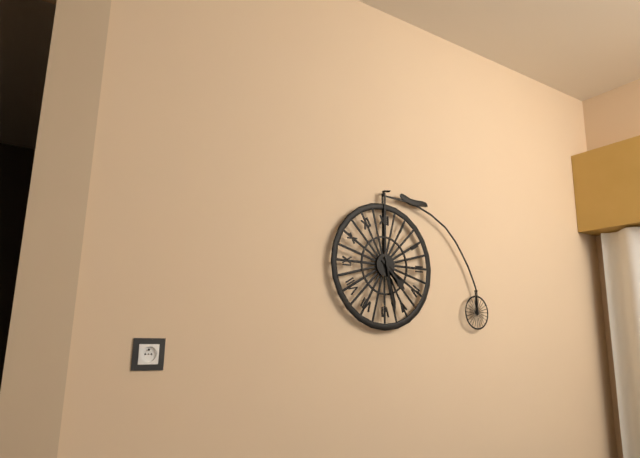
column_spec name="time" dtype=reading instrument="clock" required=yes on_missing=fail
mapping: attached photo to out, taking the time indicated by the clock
4:28
